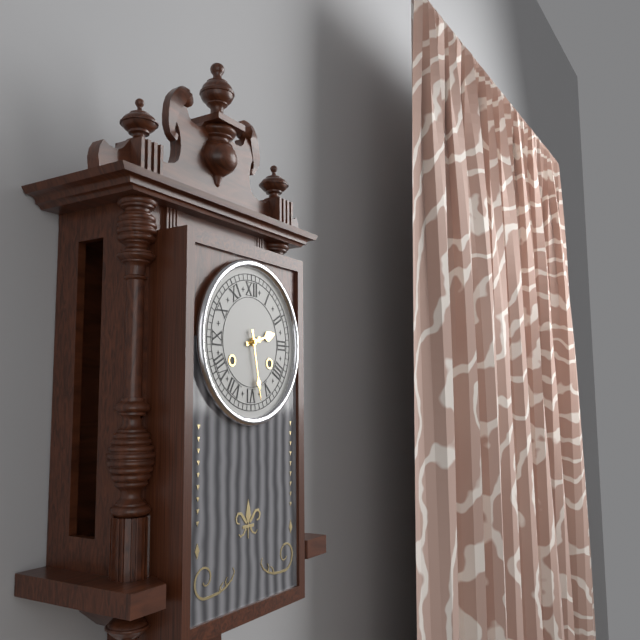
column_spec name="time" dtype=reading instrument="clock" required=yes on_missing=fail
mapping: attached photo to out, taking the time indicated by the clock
2:28
